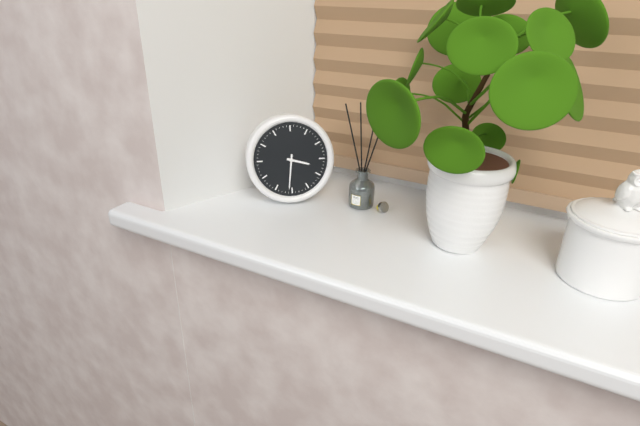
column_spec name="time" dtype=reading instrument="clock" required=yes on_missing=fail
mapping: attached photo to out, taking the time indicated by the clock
3:31
